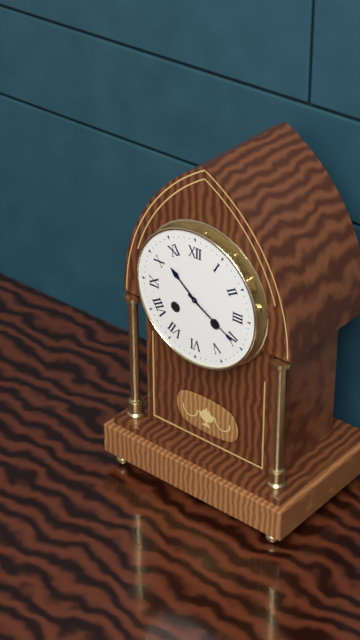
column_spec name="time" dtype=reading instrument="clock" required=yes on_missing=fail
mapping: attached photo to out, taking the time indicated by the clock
10:20
